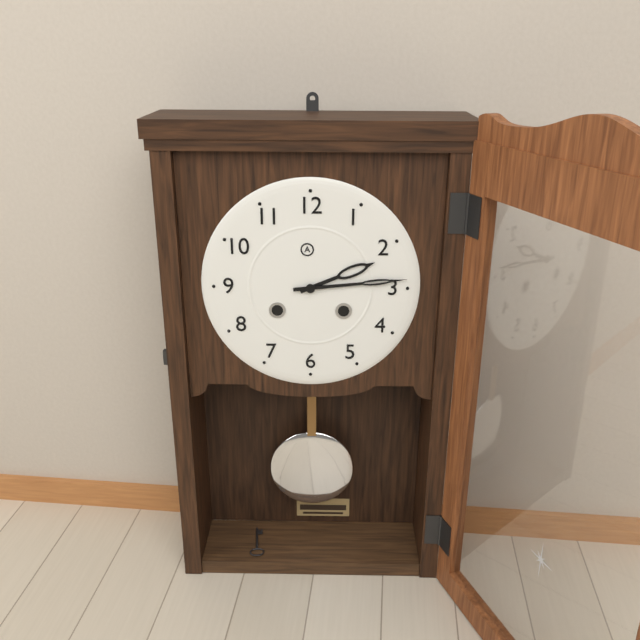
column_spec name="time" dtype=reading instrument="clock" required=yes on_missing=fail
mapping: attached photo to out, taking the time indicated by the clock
2:14
